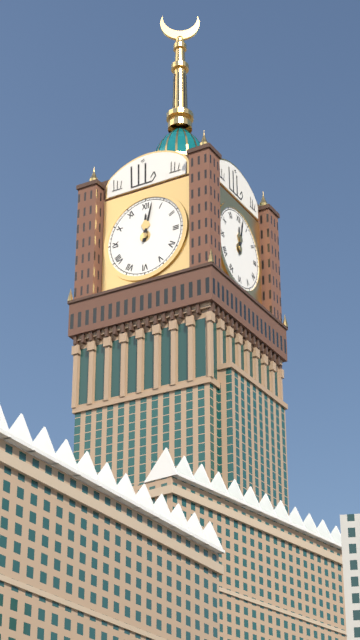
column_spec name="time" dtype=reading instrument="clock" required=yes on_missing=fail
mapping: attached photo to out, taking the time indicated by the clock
12:02
